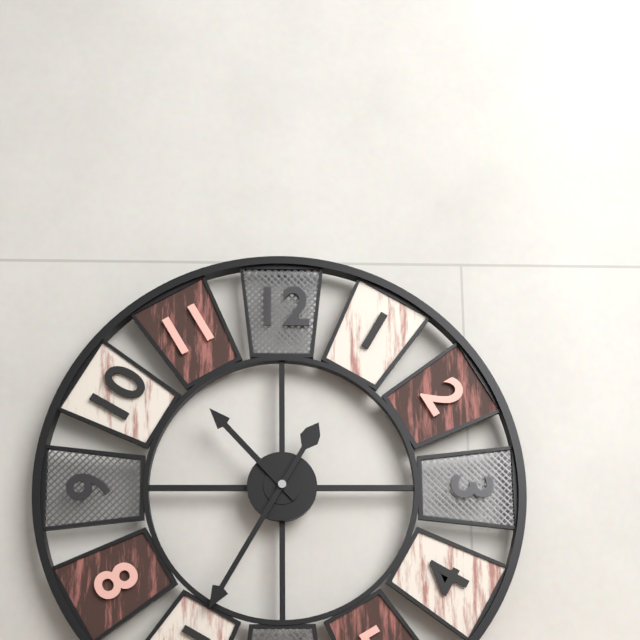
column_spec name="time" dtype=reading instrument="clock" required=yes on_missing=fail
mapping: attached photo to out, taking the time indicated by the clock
10:35
